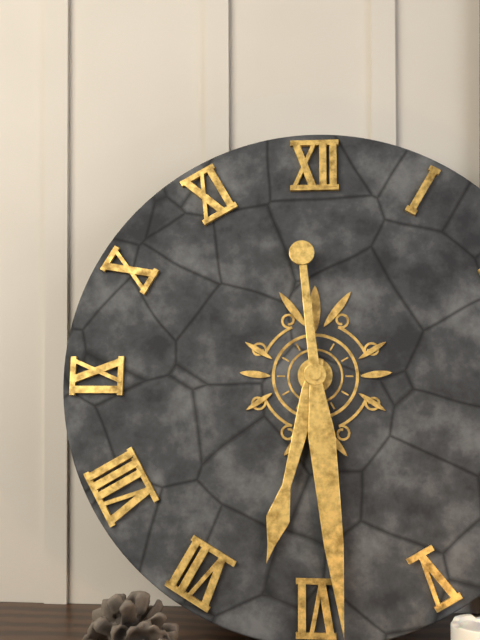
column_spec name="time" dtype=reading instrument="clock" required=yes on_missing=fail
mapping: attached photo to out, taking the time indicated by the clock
6:29
